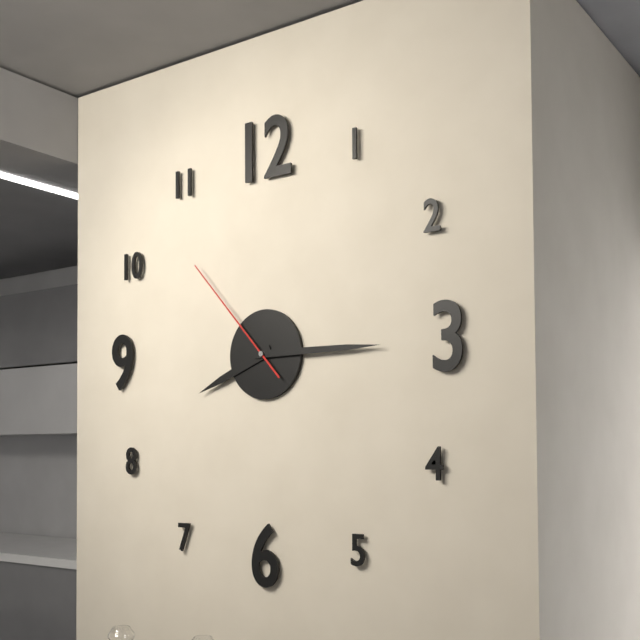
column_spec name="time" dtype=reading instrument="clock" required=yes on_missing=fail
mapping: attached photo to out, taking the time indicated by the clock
8:15:53
